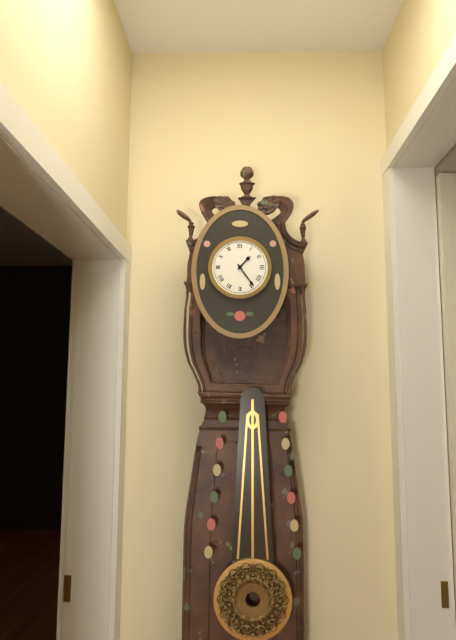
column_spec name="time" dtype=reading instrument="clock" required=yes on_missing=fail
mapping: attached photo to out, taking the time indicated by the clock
1:24
